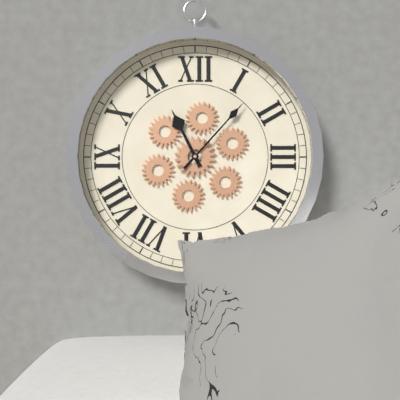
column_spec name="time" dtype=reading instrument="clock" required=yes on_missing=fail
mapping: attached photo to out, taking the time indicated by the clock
11:07
